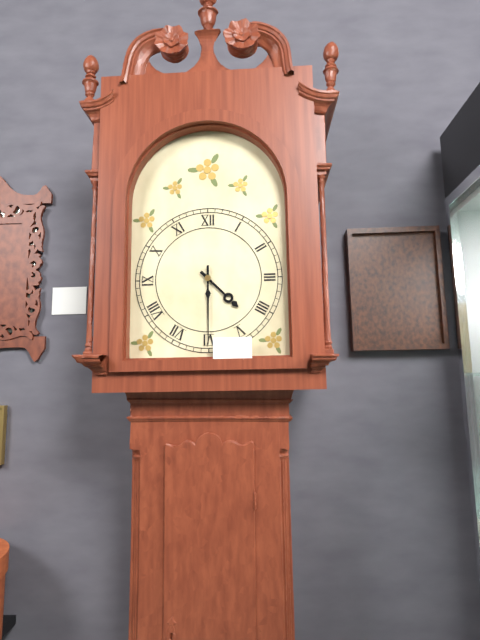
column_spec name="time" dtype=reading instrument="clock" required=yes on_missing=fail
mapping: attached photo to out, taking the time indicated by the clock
4:30
